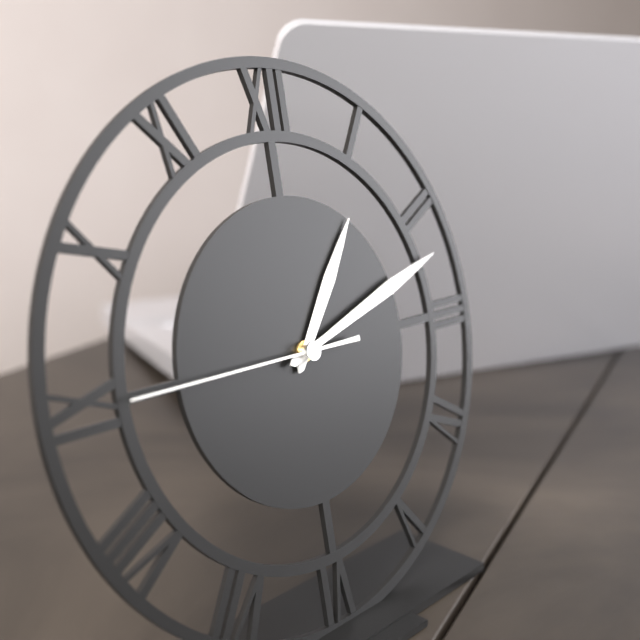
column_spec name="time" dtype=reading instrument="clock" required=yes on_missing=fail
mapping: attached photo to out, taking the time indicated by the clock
1:12:45
